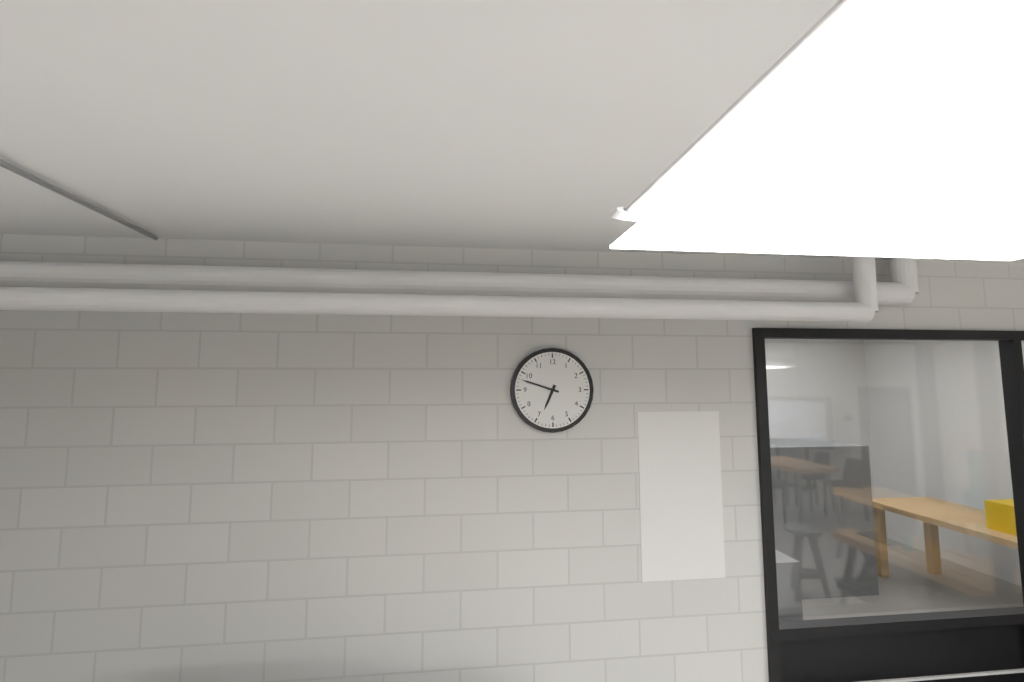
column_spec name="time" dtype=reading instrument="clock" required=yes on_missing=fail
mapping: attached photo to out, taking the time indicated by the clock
6:48
